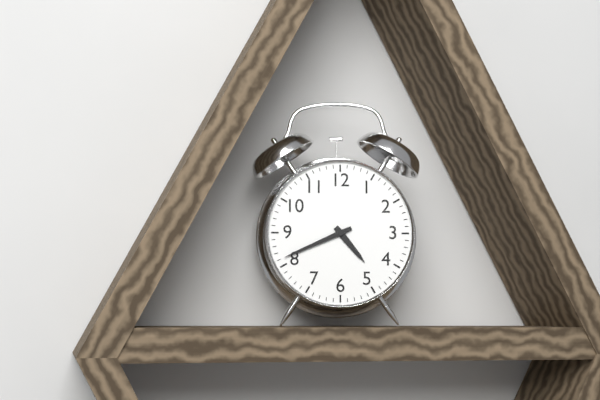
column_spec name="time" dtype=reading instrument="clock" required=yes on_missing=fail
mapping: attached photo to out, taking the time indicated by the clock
4:41
